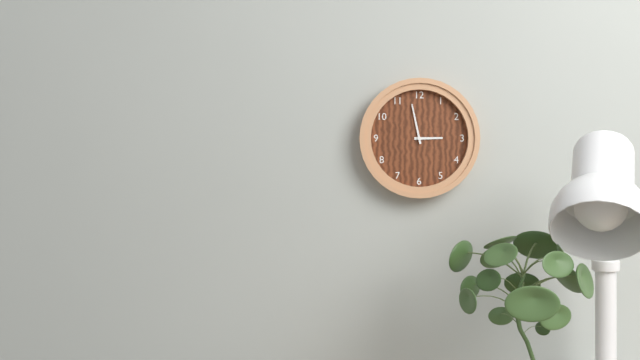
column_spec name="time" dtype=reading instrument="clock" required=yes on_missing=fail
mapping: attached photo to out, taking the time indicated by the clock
2:58
